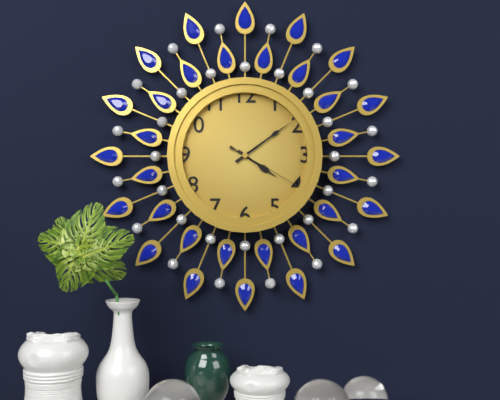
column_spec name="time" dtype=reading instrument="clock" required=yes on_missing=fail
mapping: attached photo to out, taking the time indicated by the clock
4:09:20
